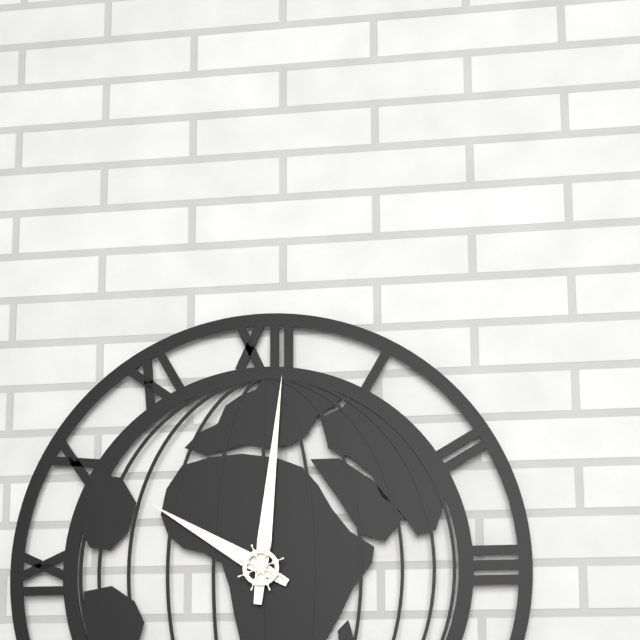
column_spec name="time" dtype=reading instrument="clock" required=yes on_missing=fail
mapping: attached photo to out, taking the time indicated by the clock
10:01
